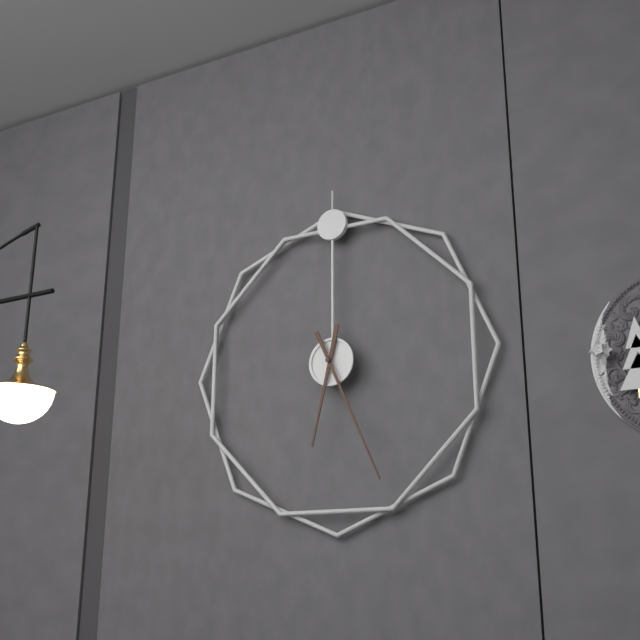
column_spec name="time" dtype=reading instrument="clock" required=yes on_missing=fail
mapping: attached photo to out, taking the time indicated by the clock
6:26
